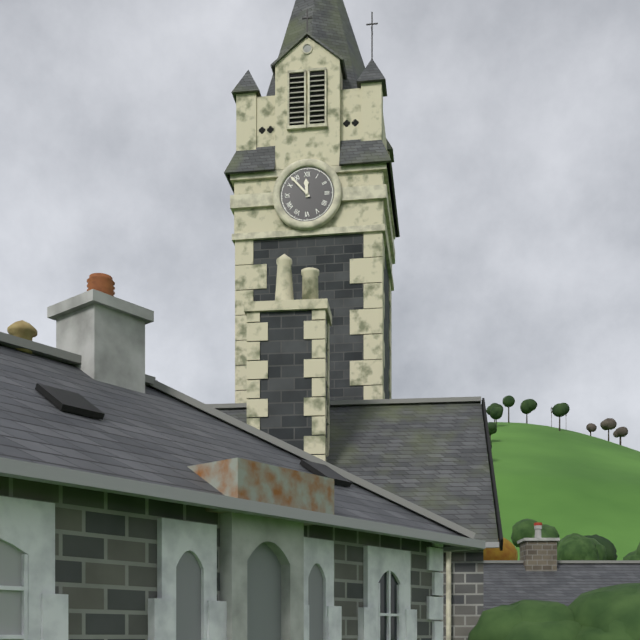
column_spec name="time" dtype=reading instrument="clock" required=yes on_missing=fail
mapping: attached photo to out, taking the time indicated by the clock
11:53
